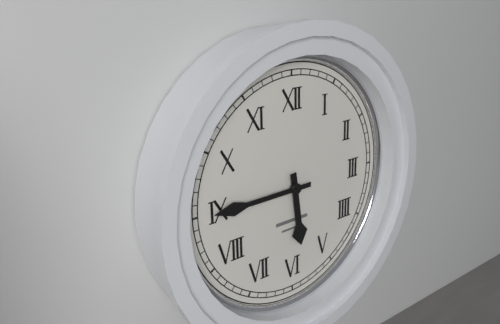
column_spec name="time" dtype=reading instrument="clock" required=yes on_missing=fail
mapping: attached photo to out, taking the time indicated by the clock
5:45
